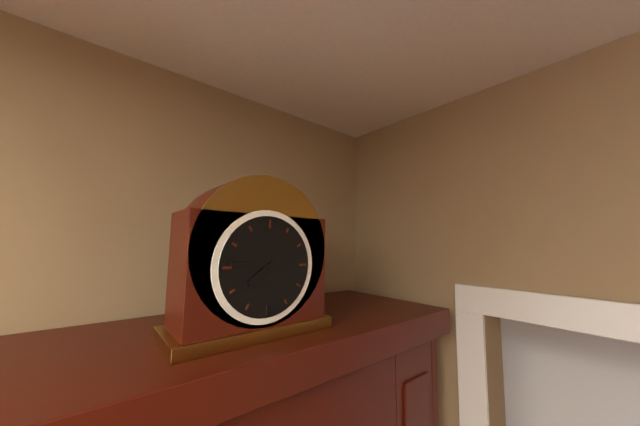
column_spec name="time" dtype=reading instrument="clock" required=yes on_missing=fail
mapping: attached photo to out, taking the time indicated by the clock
7:46
